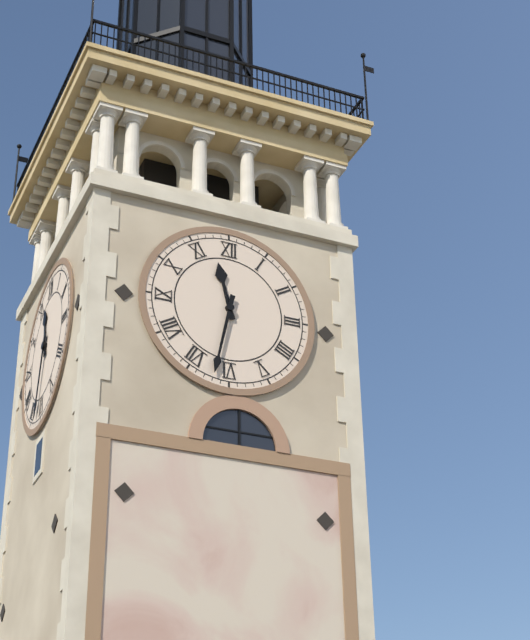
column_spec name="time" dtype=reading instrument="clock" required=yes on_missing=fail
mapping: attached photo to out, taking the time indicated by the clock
11:32
